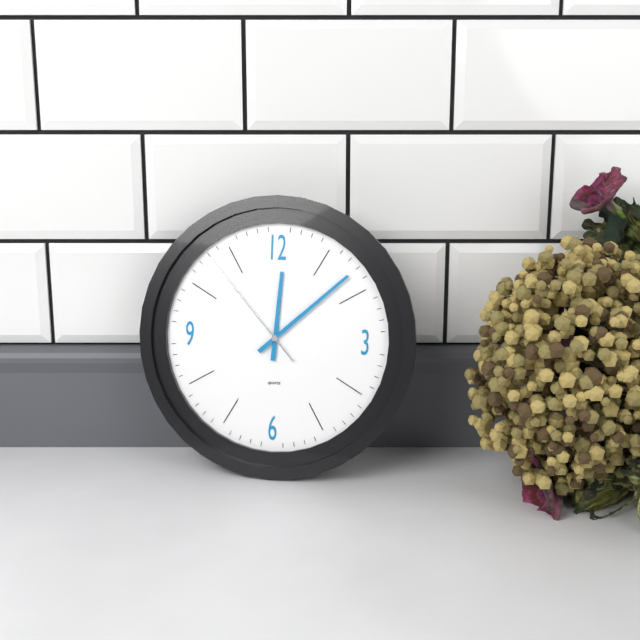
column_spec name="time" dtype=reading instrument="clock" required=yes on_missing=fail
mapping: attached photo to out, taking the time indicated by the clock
12:08:53
